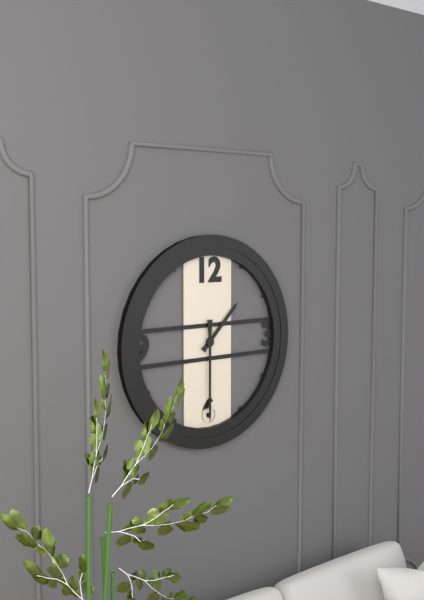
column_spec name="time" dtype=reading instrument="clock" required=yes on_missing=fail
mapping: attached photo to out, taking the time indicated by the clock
1:30
